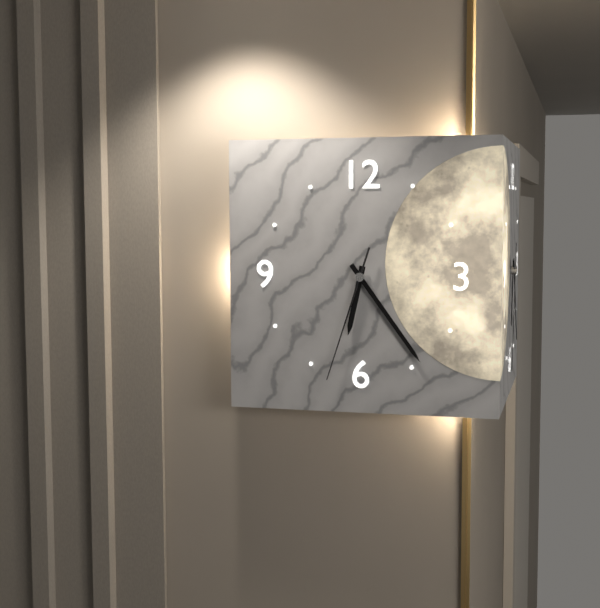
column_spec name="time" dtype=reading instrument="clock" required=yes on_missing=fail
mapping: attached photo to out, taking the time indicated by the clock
6:24:33
